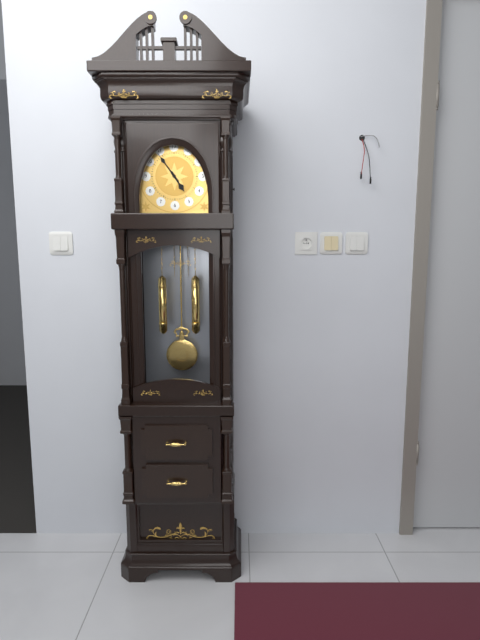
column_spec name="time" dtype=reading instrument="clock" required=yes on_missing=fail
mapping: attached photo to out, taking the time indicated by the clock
4:54
